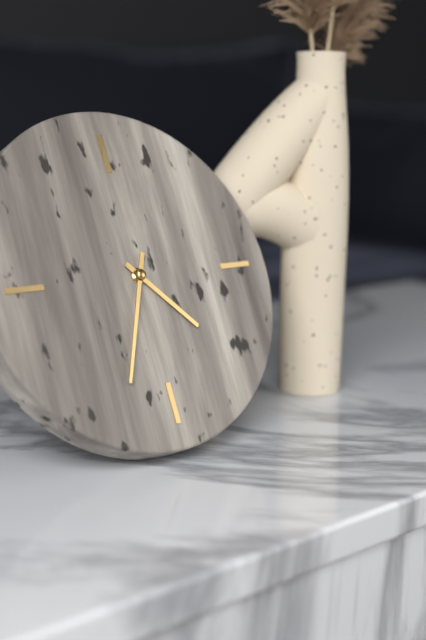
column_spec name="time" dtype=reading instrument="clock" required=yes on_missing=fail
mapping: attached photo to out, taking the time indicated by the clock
4:34
